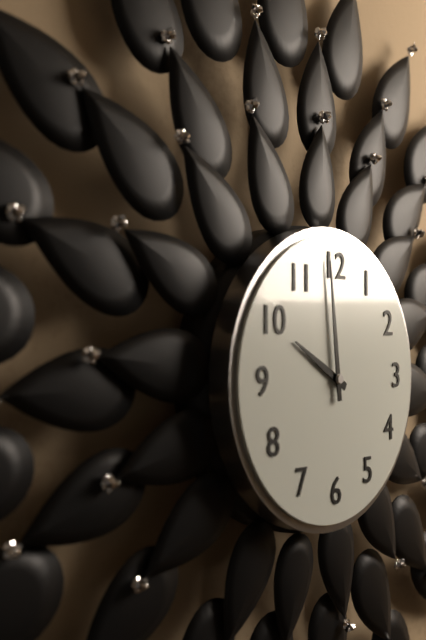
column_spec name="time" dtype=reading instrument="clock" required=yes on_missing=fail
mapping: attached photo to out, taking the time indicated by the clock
9:59
